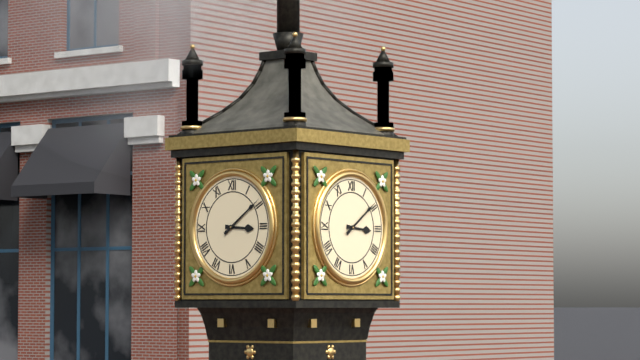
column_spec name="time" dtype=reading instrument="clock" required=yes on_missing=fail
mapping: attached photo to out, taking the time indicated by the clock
3:09
